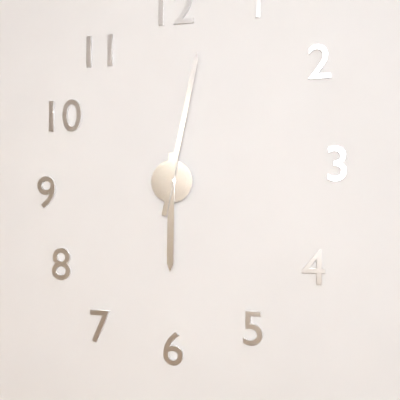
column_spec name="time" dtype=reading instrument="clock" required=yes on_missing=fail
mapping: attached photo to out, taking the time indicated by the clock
6:02
